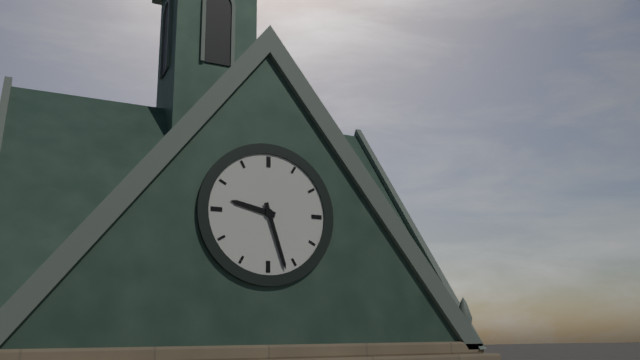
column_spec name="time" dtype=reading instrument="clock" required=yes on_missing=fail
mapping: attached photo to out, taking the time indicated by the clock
9:27
